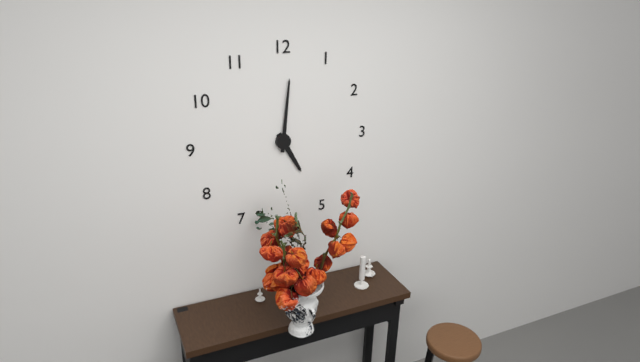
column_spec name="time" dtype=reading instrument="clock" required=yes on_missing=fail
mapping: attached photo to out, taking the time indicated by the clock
5:01
